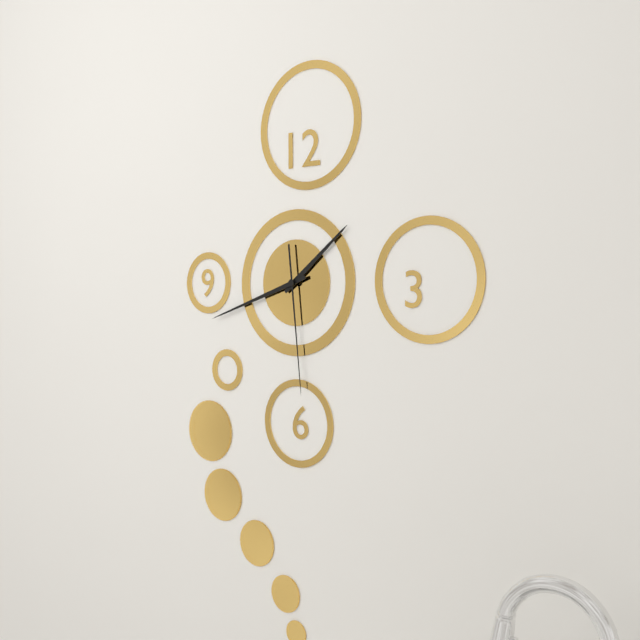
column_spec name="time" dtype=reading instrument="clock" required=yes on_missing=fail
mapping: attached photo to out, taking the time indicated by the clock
1:42:29
